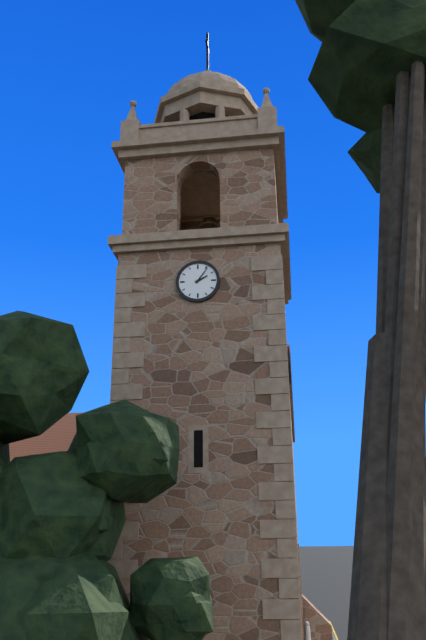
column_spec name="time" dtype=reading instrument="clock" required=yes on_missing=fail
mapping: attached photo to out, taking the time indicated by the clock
2:06
